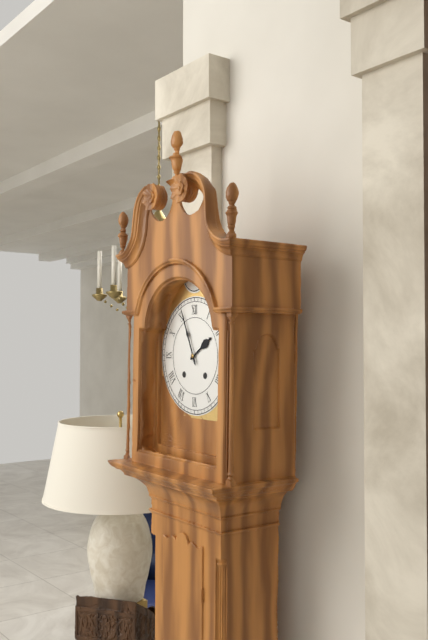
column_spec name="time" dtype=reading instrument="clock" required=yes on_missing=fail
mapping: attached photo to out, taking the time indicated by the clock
1:56
